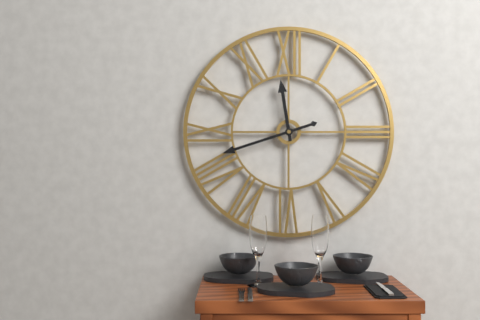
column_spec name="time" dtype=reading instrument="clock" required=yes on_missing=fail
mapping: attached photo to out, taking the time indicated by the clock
11:42
